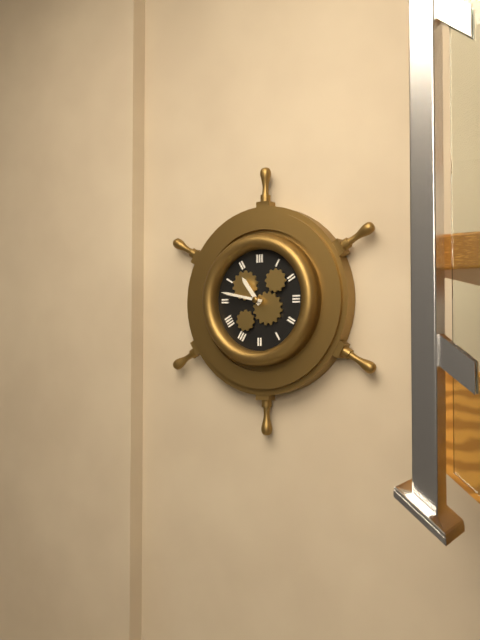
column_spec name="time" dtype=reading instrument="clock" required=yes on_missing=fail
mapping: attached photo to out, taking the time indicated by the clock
10:47
